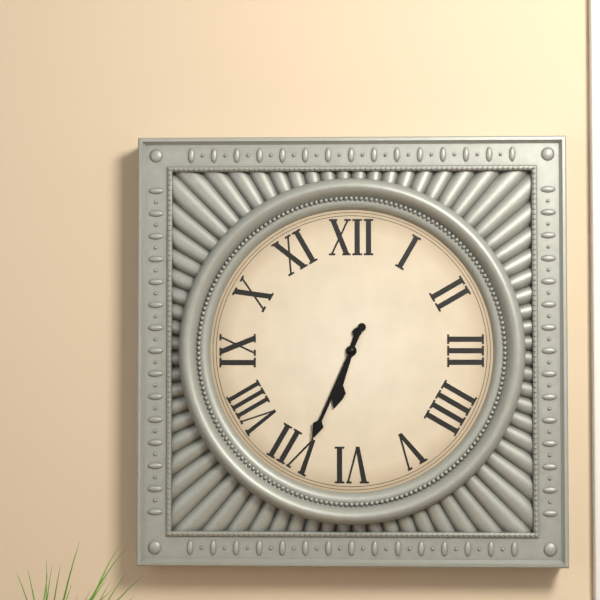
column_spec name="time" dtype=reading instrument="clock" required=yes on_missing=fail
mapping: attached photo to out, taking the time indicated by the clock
6:34
